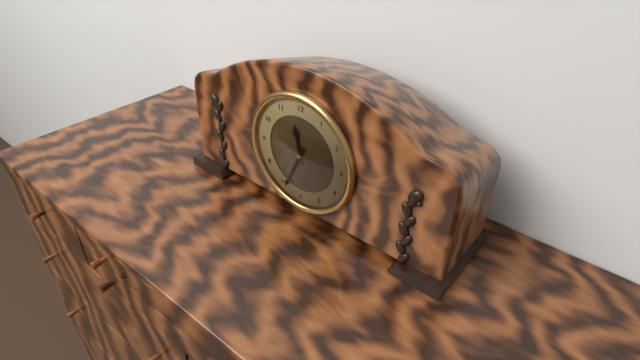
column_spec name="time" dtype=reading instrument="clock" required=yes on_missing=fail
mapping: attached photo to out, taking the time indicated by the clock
11:34
